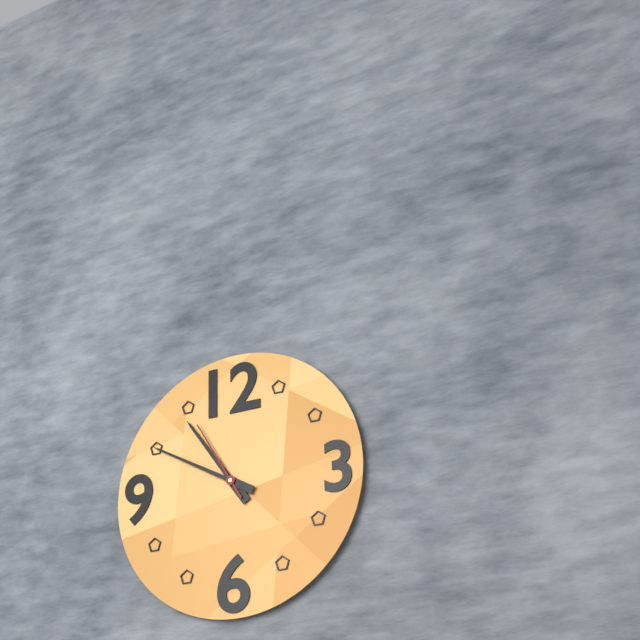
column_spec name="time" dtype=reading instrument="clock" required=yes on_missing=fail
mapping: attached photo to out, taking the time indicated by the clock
10:50:55
